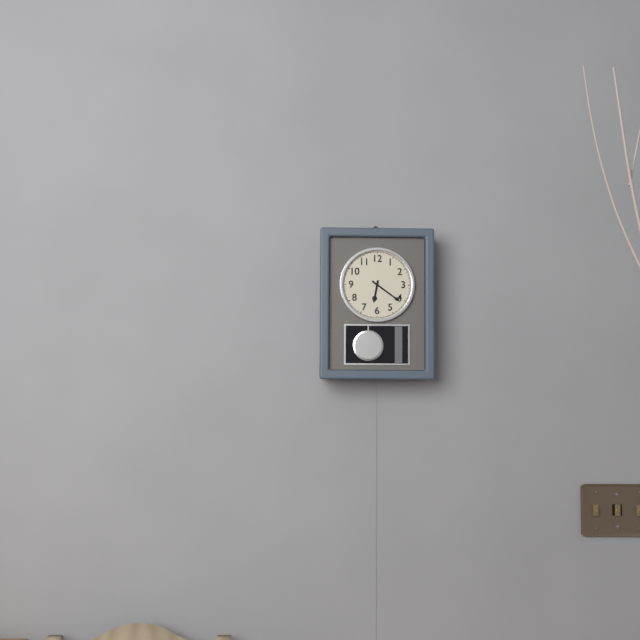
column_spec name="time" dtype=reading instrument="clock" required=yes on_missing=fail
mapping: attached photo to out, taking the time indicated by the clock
6:21
